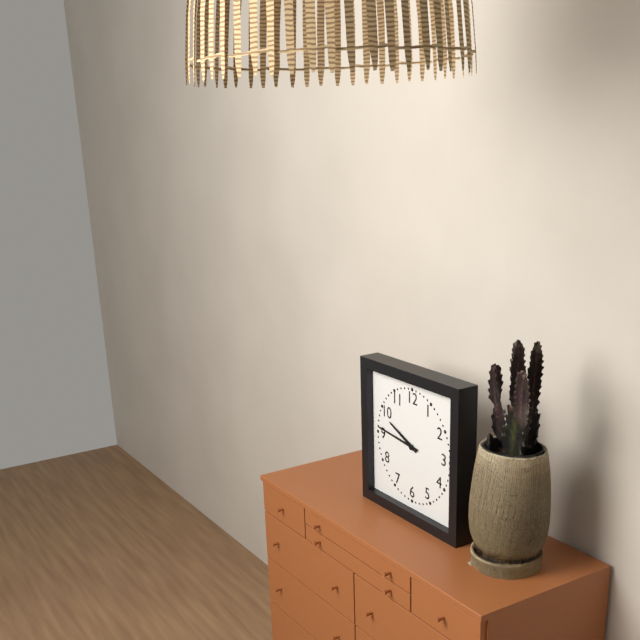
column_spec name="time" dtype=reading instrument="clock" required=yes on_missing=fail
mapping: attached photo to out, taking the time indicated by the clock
9:46
